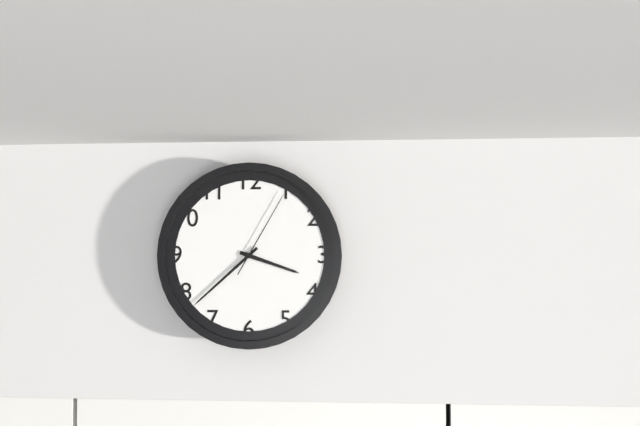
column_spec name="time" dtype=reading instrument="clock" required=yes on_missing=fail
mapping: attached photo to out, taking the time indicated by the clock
3:38:05
